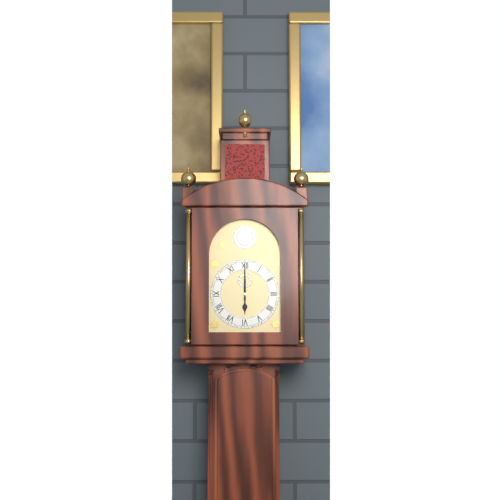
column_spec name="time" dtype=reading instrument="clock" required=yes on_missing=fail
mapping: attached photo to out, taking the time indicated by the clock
6:00
